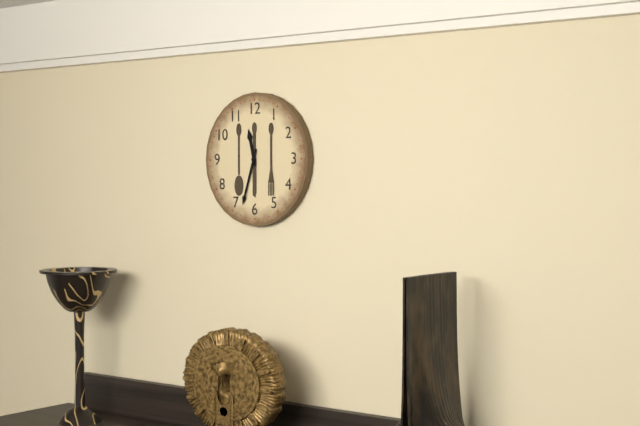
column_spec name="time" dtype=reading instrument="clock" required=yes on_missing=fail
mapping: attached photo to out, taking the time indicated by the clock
11:33
